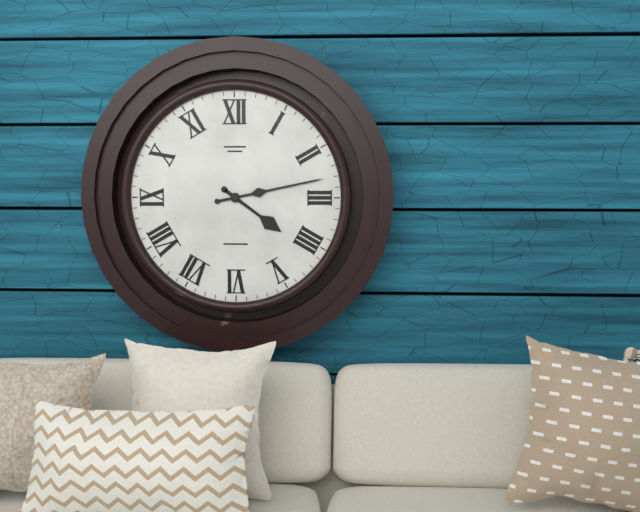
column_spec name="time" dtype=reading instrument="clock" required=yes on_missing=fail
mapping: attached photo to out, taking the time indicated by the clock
4:13
